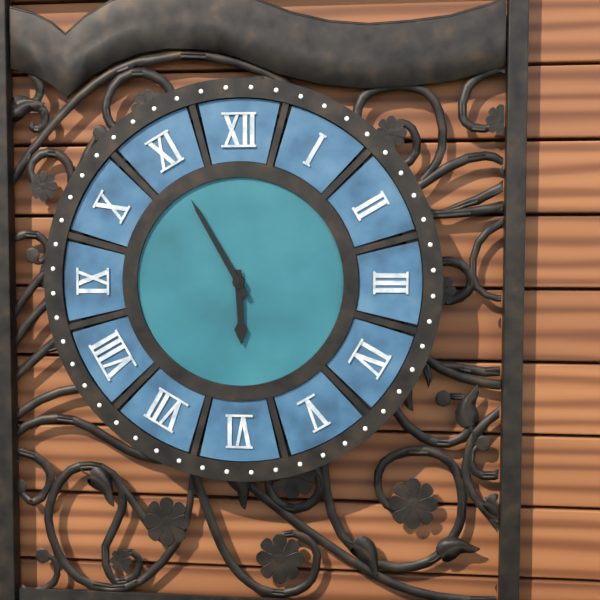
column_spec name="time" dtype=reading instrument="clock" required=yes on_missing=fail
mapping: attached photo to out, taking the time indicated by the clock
5:55
